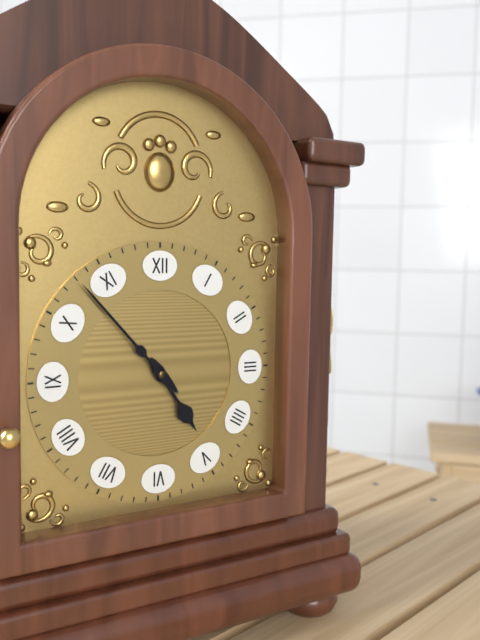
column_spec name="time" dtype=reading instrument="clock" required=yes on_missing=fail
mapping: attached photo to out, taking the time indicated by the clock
4:53
